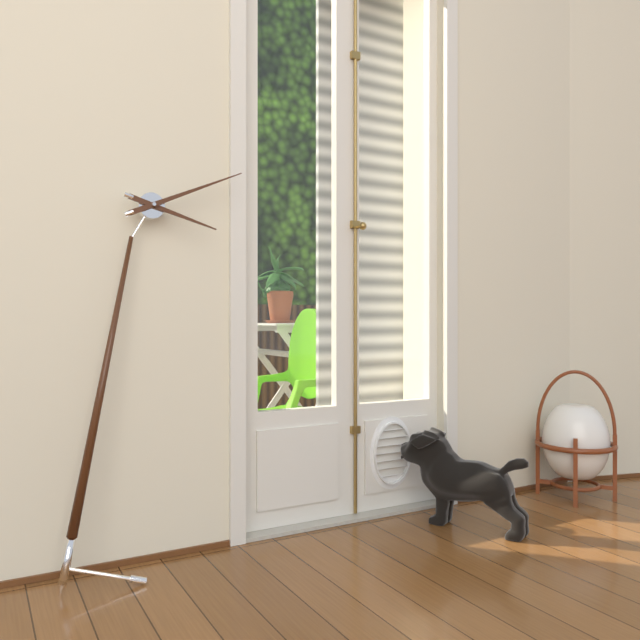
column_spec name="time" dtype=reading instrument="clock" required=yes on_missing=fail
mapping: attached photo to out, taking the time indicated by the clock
3:09
